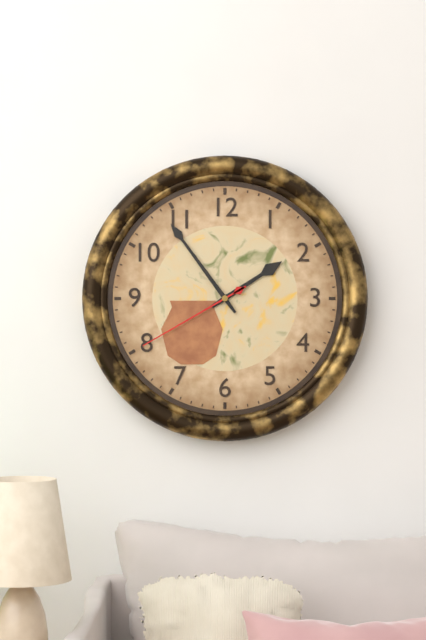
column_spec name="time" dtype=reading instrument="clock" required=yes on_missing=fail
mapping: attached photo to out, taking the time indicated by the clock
1:54:40
